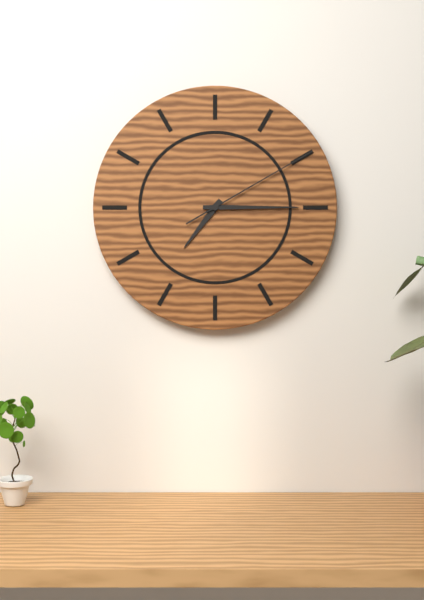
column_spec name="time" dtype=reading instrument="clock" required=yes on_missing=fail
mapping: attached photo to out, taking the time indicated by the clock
7:15:10
